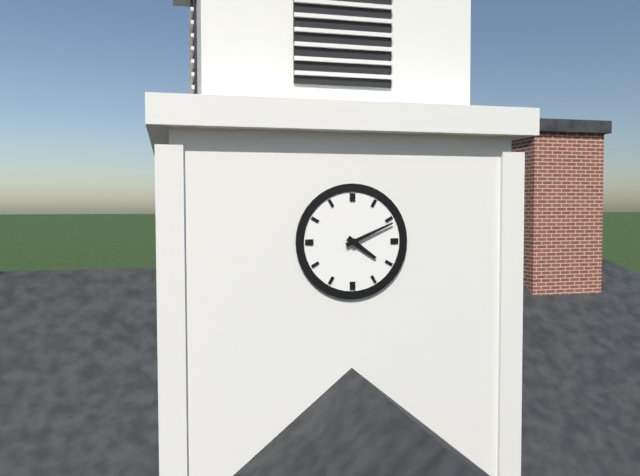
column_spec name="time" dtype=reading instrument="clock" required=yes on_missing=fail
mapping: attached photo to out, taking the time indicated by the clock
4:11
